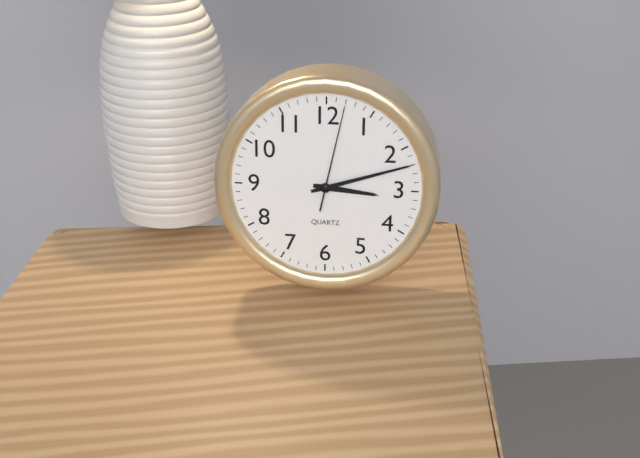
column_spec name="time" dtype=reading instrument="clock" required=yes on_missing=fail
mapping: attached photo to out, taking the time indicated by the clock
3:12:02
